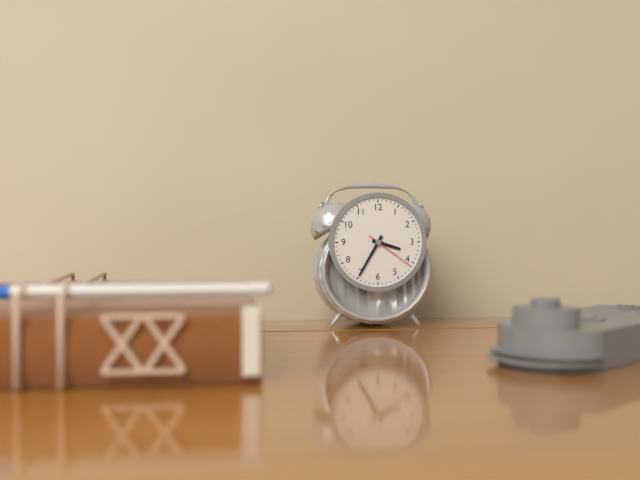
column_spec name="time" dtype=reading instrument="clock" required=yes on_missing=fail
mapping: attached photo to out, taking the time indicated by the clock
3:35:21
